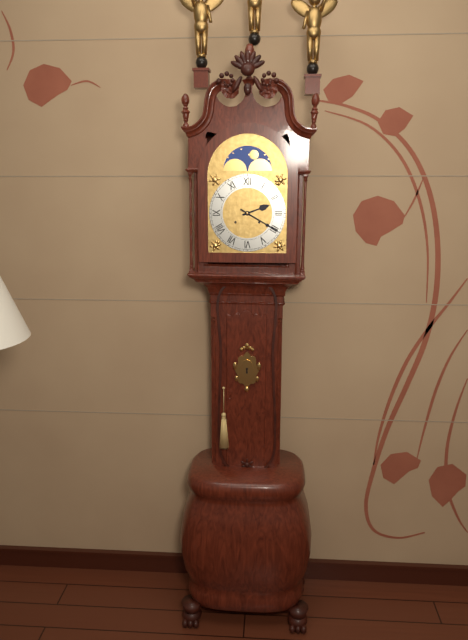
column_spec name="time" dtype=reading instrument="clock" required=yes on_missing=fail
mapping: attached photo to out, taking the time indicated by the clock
2:20
